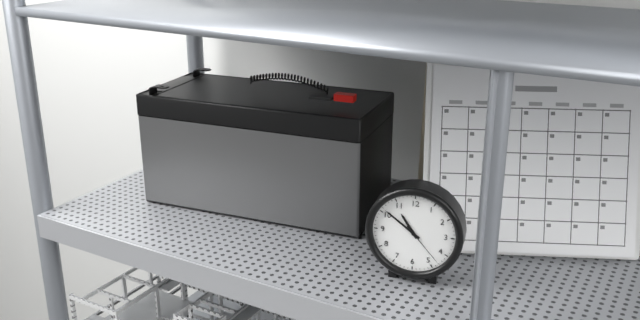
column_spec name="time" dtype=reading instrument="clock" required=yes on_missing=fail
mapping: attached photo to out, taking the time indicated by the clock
10:51
